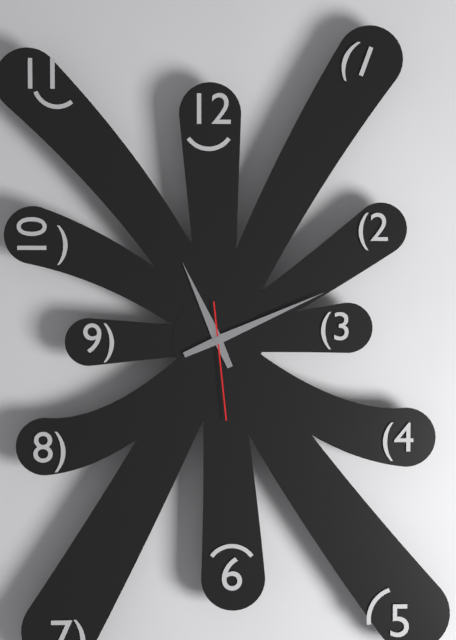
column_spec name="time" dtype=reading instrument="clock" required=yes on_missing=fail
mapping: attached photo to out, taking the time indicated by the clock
11:11:29
